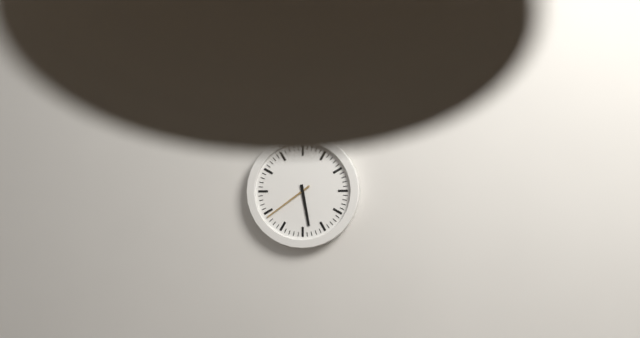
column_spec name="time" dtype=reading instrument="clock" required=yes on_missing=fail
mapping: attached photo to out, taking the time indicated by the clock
5:39
